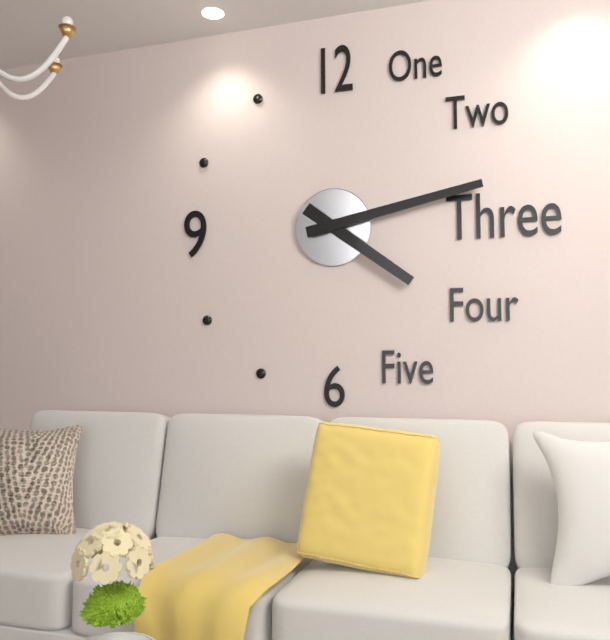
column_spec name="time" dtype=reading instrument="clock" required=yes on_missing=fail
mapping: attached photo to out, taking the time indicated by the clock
4:13
